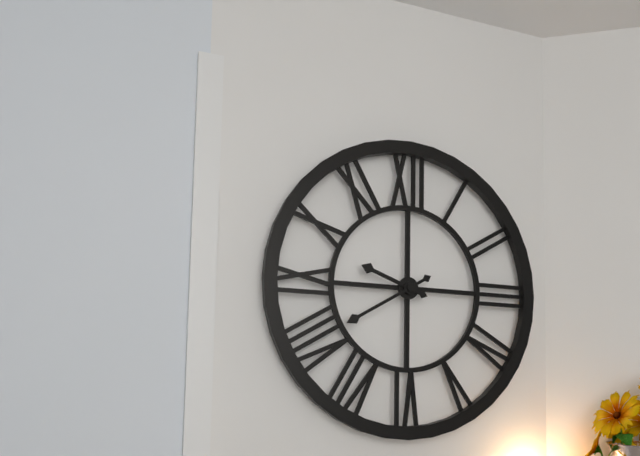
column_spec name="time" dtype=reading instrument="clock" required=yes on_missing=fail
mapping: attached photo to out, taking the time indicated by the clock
9:40
